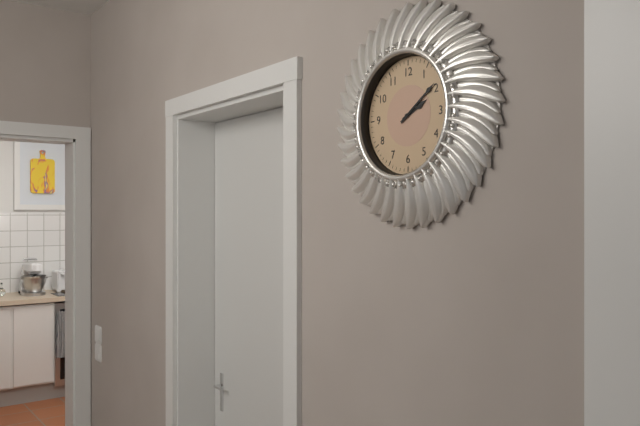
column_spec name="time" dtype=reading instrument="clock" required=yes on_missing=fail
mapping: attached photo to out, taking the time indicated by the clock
2:09
